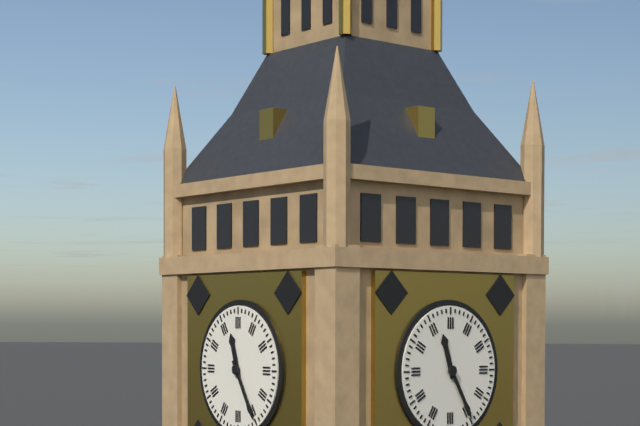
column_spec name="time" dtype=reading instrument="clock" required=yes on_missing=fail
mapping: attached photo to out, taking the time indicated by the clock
11:25
